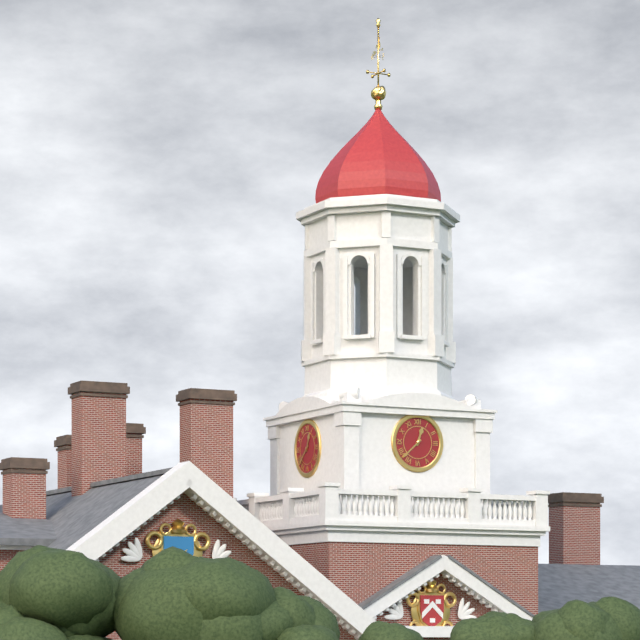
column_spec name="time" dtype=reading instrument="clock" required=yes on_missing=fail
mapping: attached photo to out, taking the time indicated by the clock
12:38
